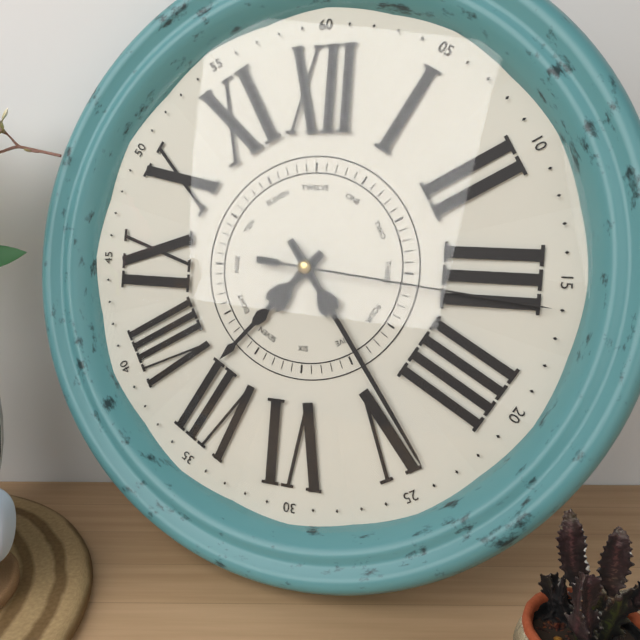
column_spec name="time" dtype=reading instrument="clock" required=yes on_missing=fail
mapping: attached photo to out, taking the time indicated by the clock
7:24:16
